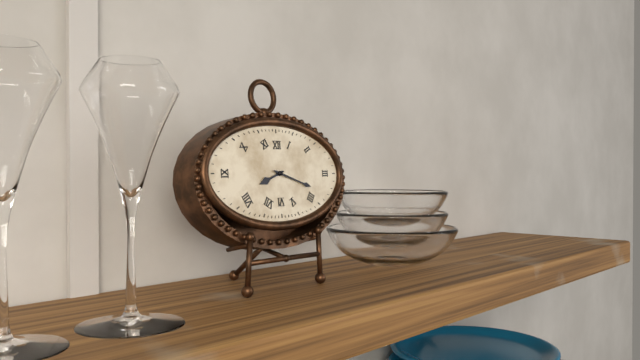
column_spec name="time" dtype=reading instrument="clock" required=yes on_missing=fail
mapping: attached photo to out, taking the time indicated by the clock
8:18
